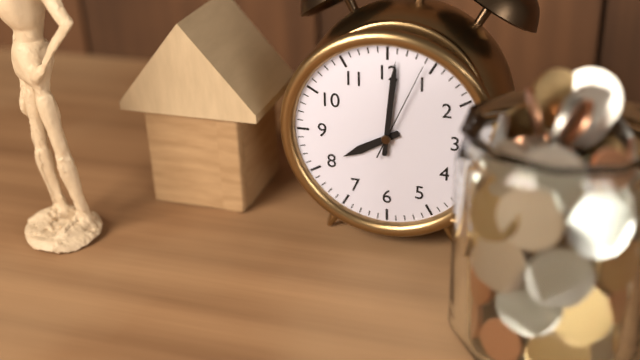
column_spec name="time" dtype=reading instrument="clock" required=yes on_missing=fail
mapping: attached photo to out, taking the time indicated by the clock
8:01:04
